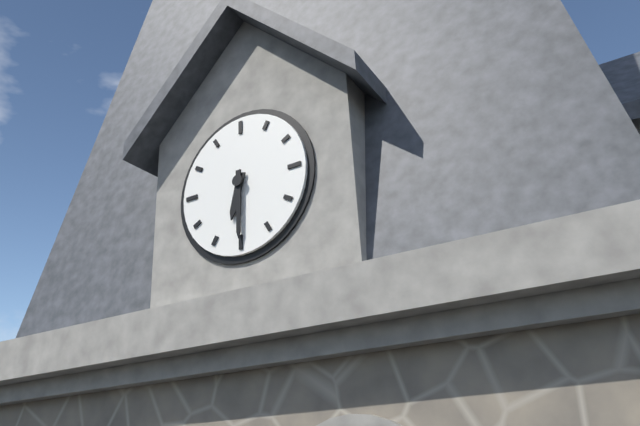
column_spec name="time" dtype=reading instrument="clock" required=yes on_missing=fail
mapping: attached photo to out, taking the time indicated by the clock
6:30
